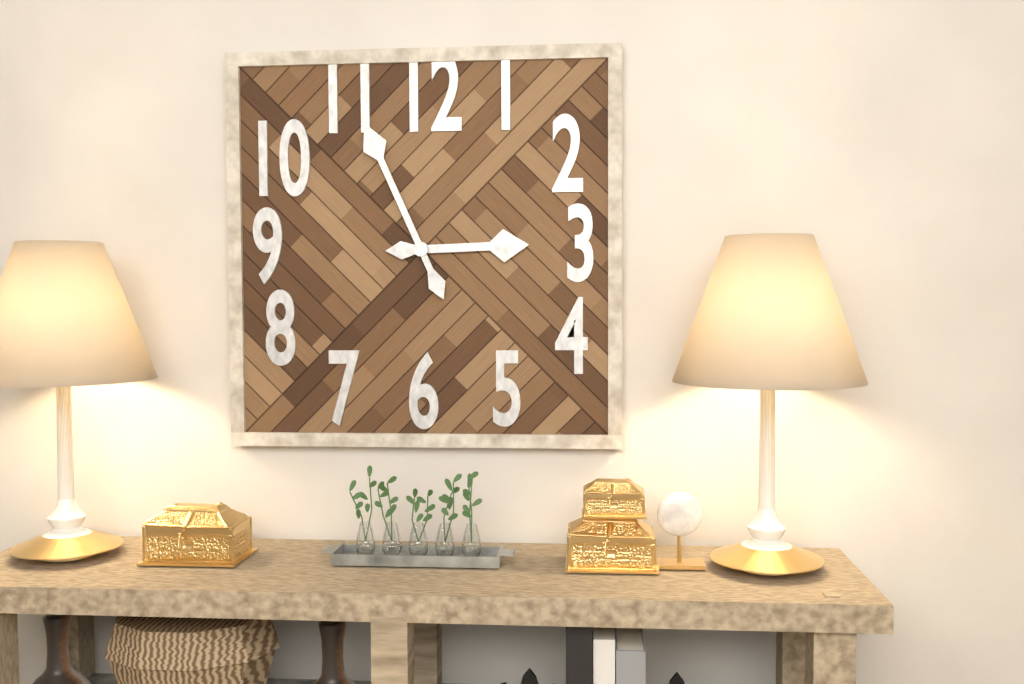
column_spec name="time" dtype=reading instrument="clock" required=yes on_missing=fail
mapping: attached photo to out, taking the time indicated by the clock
2:56
